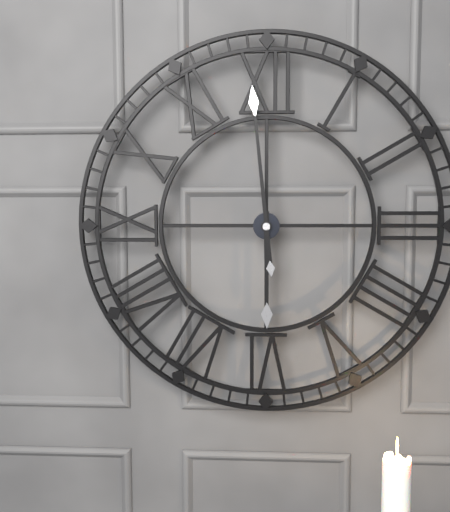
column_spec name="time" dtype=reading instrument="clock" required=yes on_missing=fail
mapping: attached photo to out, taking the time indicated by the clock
5:59
